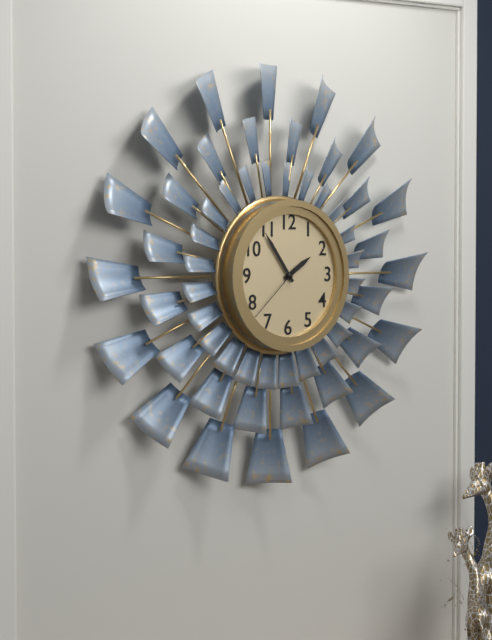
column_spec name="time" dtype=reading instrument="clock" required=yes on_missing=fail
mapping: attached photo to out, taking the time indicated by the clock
1:54:38
